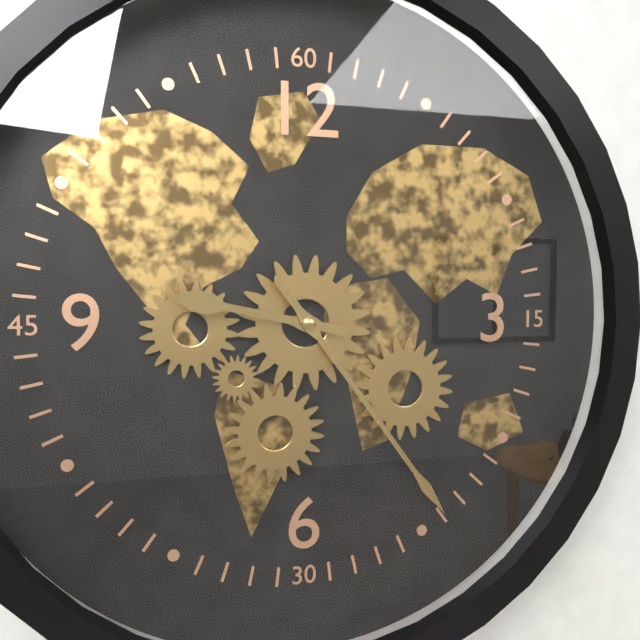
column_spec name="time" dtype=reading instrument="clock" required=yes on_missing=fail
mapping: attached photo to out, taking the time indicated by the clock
9:24
